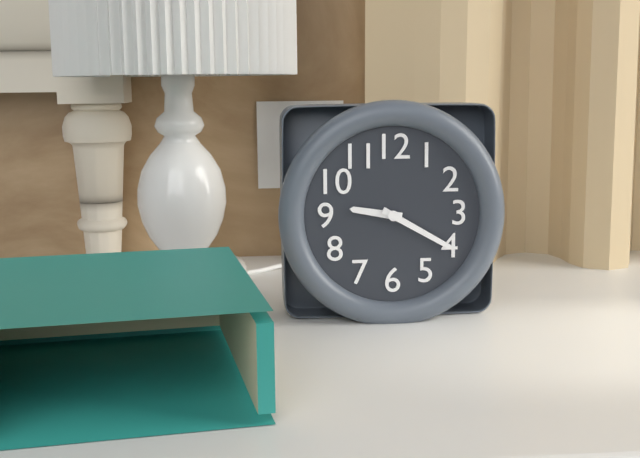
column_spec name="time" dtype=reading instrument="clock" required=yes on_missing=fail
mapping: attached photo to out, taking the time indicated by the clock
9:20
